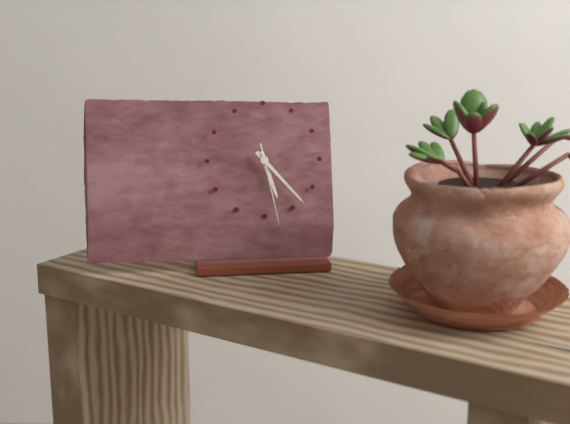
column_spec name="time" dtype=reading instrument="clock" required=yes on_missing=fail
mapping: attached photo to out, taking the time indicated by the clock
5:23:28
